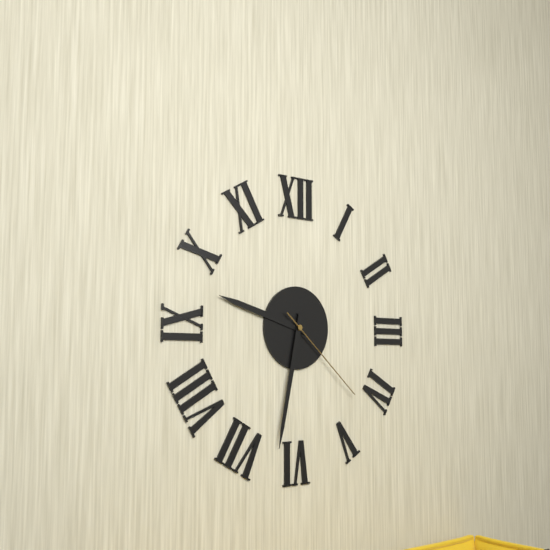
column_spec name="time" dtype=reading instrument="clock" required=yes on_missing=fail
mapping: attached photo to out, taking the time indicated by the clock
9:32:22
